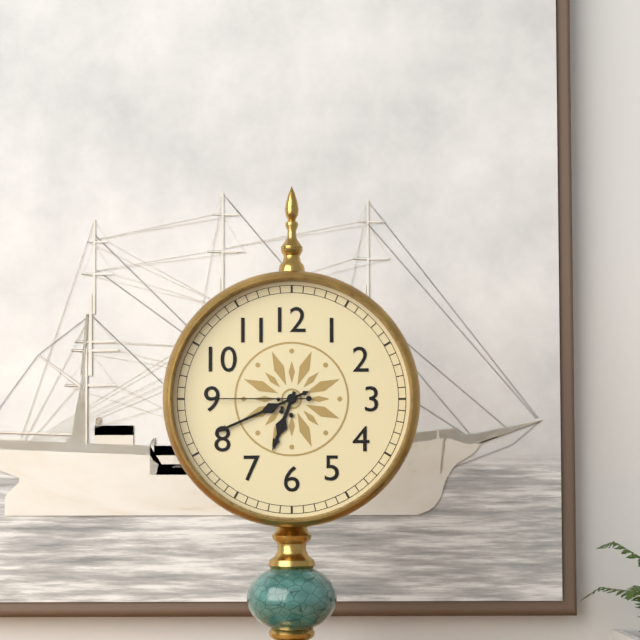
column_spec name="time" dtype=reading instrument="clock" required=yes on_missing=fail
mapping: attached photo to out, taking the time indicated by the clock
6:41:45
